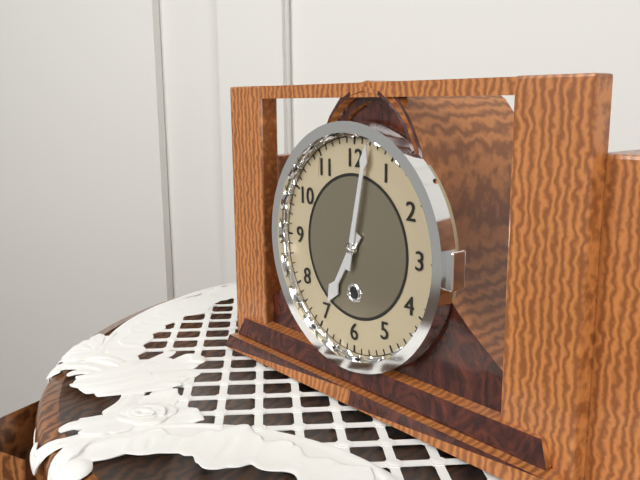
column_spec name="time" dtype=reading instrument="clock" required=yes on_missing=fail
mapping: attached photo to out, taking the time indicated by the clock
7:02
